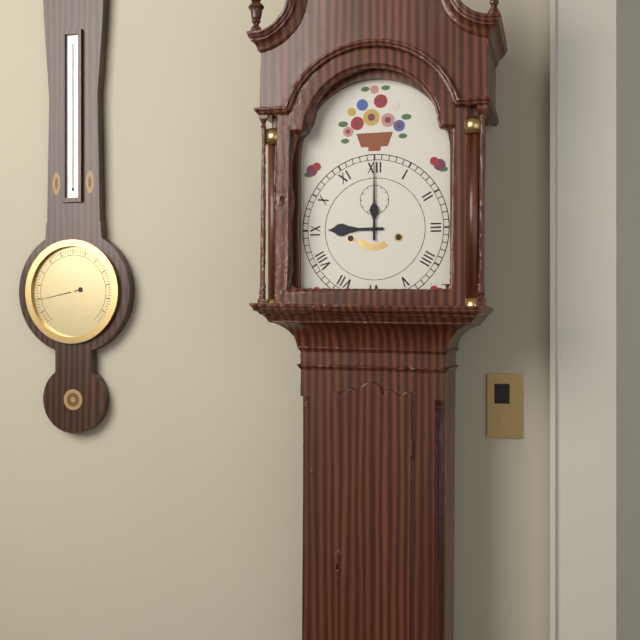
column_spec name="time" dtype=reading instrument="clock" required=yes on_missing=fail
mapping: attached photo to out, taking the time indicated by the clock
9:00
